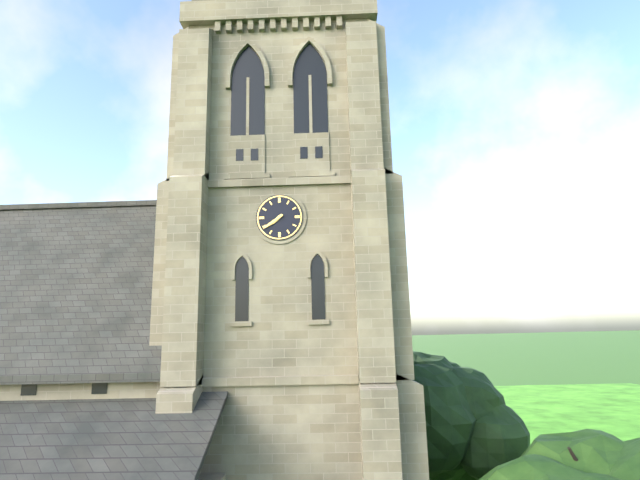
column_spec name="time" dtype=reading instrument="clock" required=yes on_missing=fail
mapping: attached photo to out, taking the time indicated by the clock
7:39
